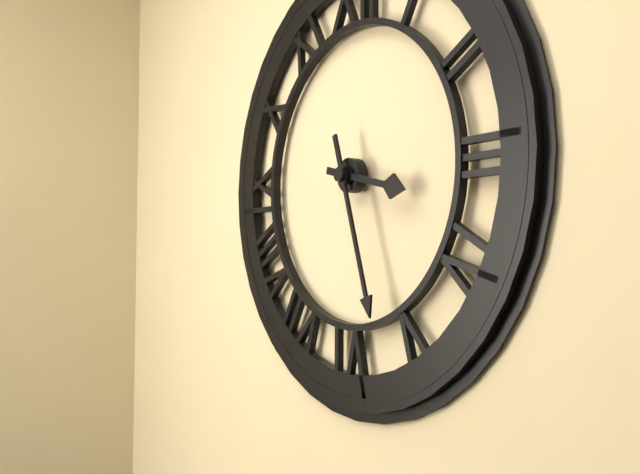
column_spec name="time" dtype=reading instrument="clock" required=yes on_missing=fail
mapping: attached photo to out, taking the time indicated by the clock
3:27
